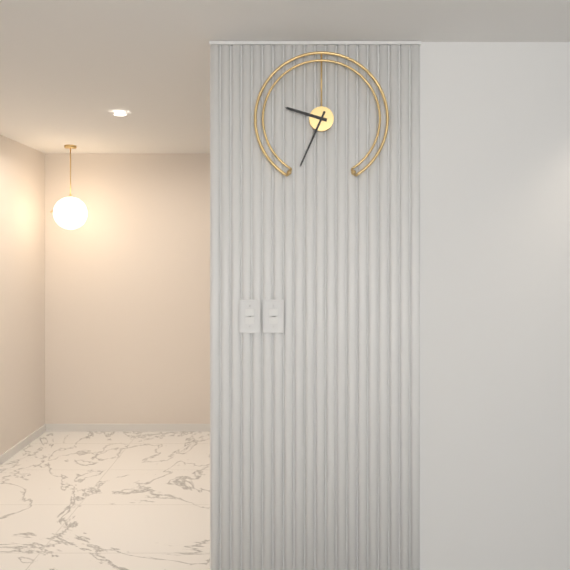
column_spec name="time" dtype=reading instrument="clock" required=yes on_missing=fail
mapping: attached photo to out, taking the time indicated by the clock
9:34
